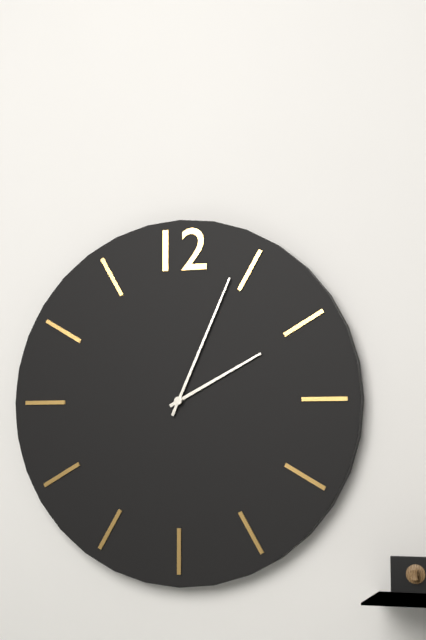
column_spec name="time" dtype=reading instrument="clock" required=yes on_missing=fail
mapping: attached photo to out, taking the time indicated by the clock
2:04
